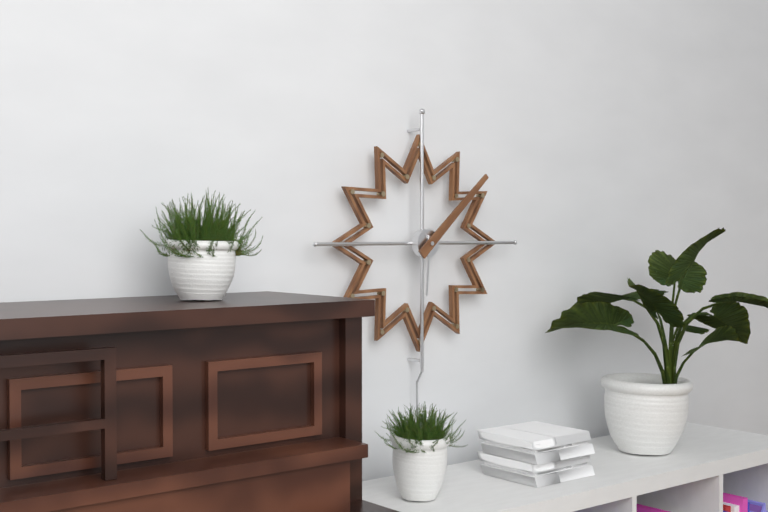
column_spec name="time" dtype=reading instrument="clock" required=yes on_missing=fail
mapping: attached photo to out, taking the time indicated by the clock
6:08
